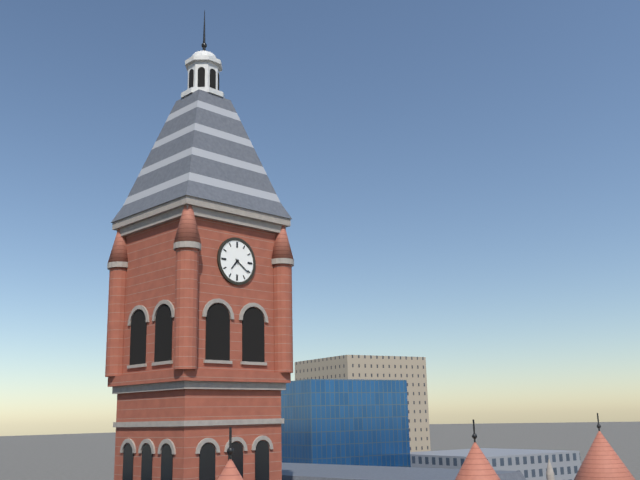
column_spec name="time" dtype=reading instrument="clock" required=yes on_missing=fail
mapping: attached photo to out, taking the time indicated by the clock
7:21
